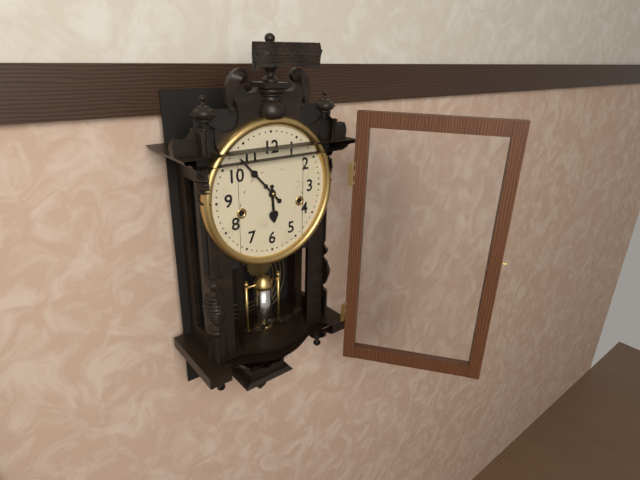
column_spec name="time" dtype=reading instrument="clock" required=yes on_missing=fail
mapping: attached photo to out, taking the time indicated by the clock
5:53
